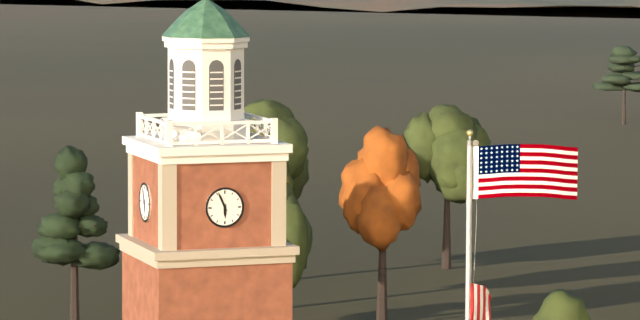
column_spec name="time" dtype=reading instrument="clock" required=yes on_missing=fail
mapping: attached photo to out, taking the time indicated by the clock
5:56
